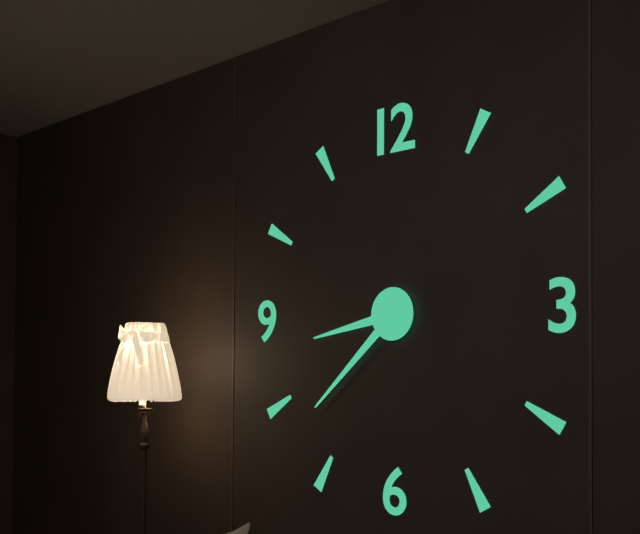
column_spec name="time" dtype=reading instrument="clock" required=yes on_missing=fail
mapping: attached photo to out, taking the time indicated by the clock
8:38
